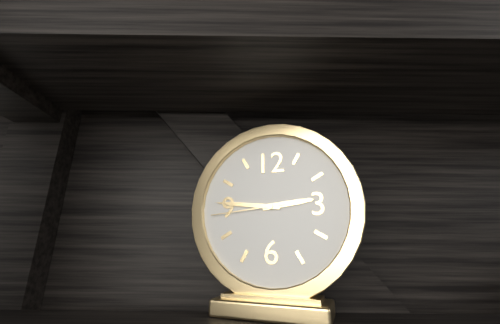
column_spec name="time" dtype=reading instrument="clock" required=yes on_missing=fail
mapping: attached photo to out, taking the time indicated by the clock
2:46:44
